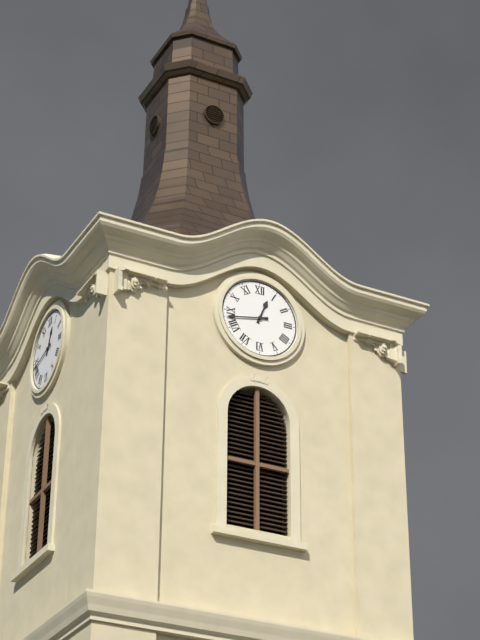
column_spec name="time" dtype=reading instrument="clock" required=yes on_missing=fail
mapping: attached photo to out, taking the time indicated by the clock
12:43
